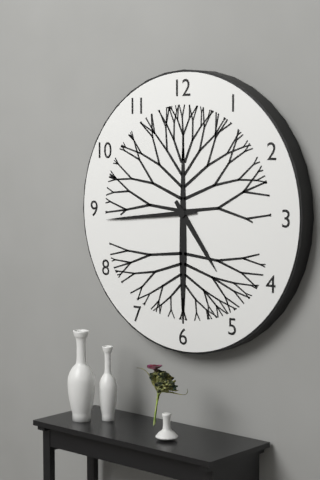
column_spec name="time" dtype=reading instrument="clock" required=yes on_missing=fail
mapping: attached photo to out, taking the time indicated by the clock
4:44
